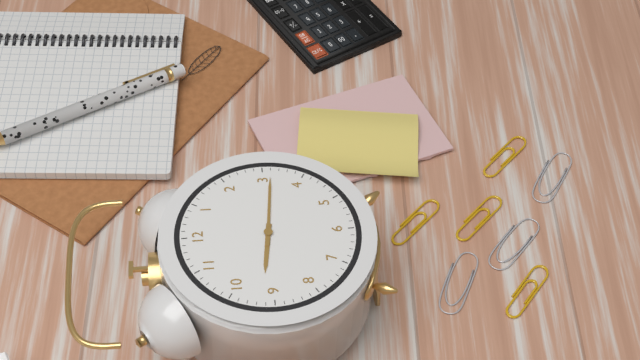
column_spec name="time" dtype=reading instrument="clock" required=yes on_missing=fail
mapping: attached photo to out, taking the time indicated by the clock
9:16
